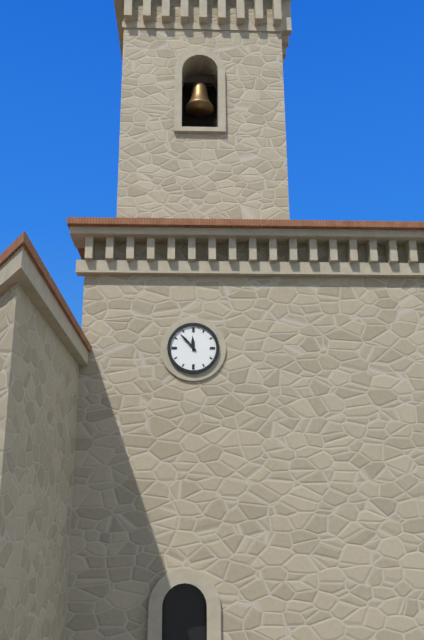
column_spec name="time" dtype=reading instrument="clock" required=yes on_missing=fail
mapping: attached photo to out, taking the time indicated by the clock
11:53
